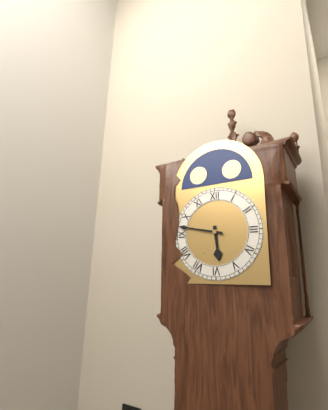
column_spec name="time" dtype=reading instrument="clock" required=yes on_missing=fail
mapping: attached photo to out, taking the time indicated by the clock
5:47
